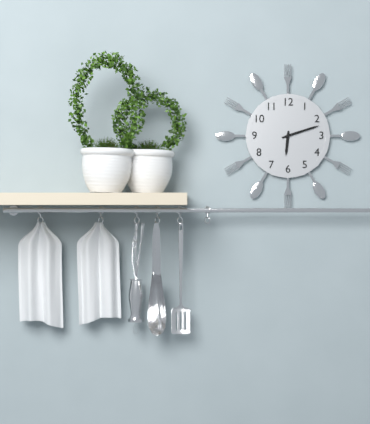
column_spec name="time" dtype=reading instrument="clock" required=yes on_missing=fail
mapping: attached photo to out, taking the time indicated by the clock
6:12
